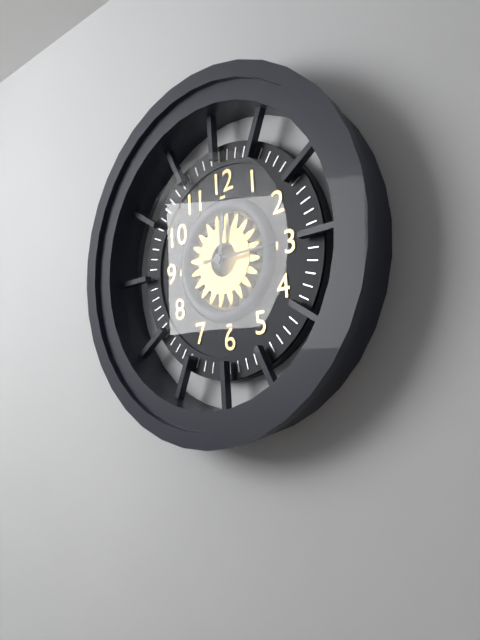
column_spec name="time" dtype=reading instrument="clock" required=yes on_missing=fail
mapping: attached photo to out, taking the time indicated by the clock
12:15
